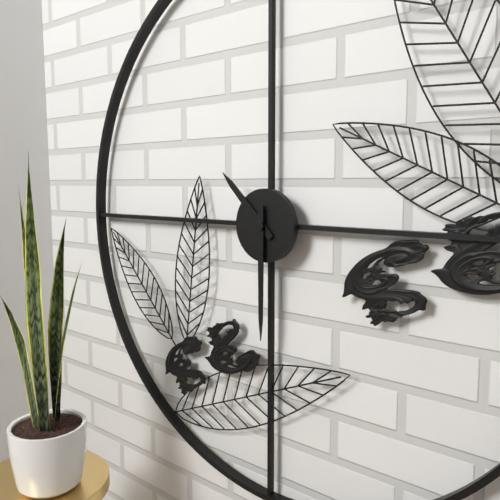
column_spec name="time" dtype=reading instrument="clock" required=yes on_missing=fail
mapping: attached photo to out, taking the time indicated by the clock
10:30
